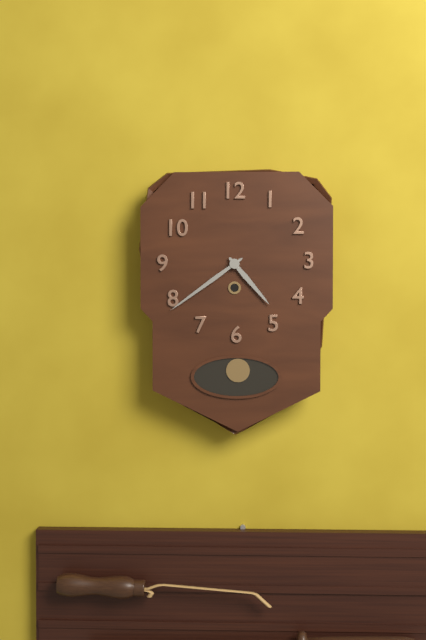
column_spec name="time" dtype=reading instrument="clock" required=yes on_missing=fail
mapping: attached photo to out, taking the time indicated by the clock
4:39
